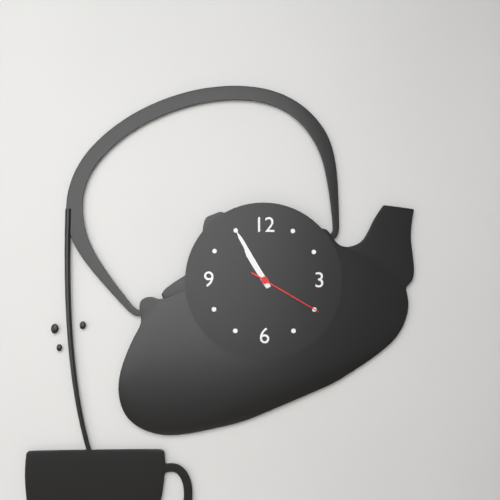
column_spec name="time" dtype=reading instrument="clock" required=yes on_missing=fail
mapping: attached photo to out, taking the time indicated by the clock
10:55:20
